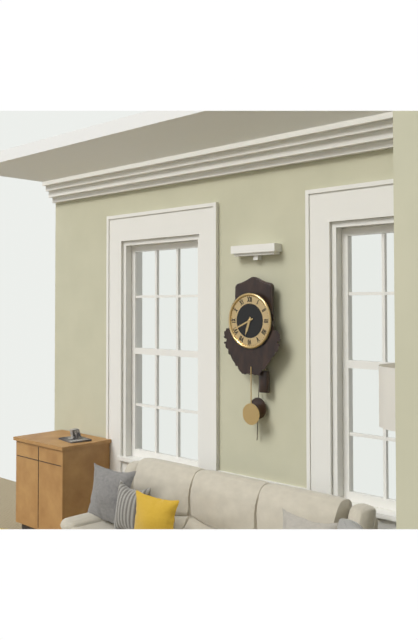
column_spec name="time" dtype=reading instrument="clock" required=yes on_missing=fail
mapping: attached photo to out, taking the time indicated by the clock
6:41
